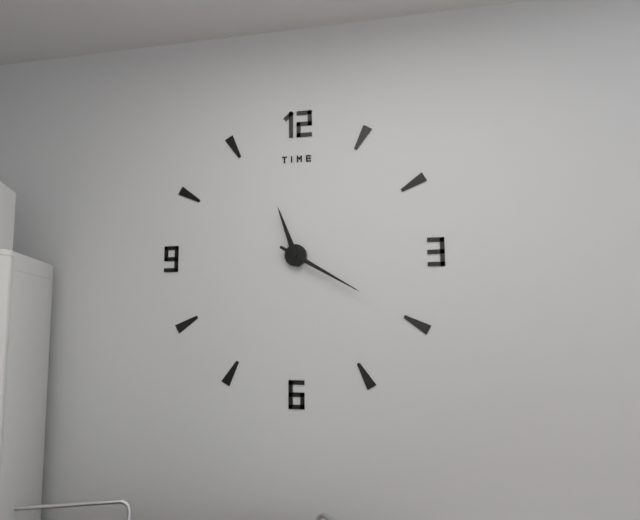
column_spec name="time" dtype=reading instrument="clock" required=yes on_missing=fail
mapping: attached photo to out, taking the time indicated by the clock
11:20
